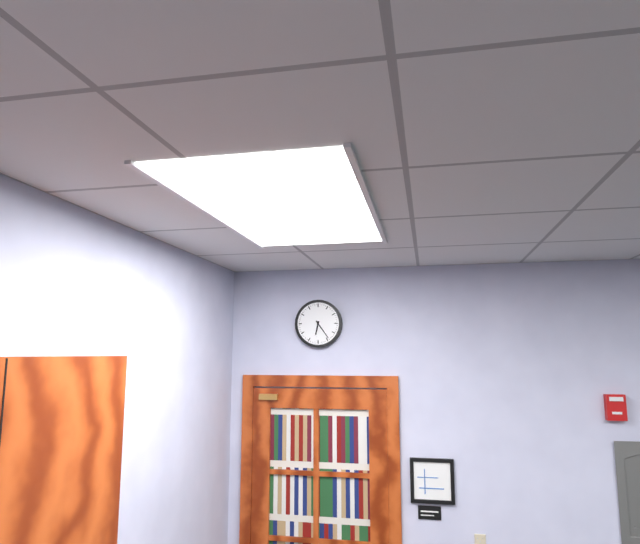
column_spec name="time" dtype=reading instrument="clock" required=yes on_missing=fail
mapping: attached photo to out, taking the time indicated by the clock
6:24
